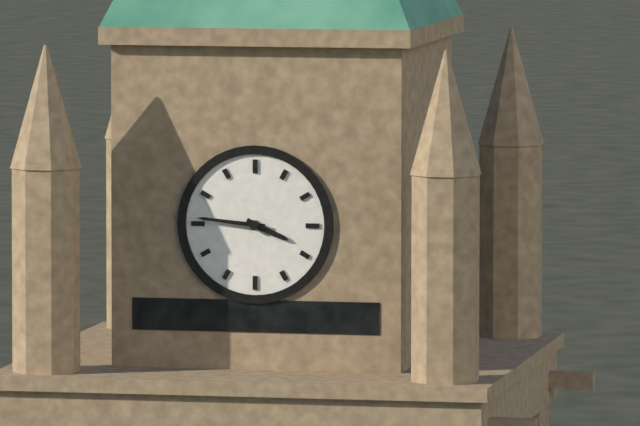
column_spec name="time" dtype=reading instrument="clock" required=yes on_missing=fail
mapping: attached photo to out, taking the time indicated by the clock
3:46
